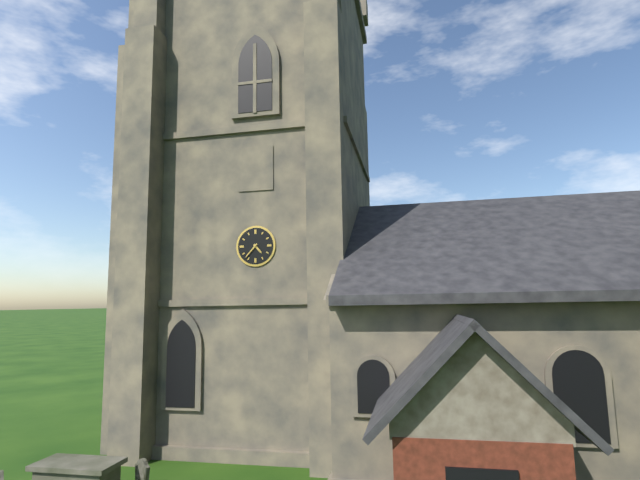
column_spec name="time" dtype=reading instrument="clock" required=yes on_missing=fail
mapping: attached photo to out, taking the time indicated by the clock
4:37
